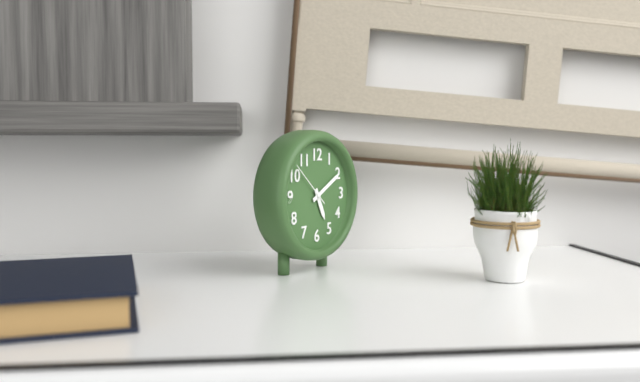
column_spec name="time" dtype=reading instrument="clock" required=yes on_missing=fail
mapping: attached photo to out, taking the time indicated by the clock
5:10
